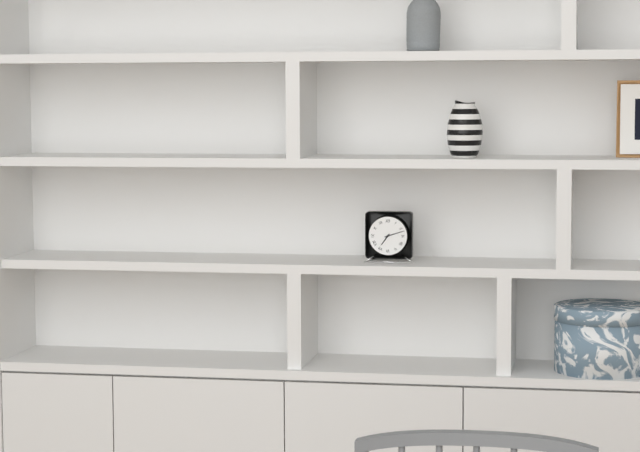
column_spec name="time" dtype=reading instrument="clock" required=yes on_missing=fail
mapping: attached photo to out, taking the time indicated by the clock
7:12
